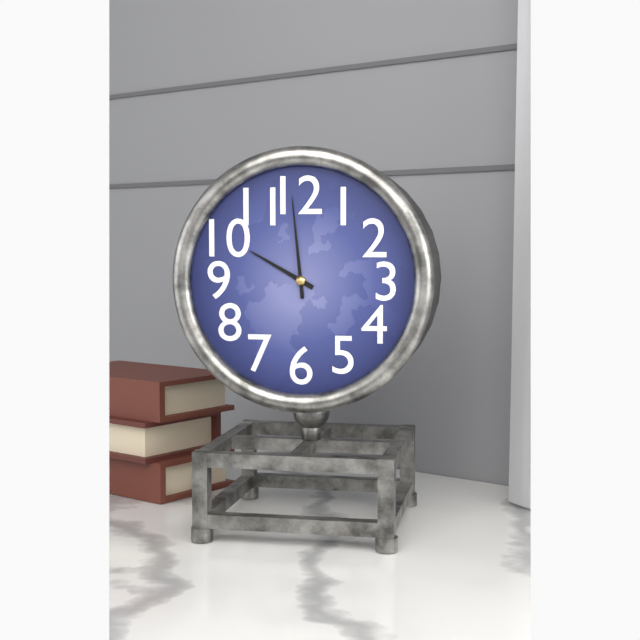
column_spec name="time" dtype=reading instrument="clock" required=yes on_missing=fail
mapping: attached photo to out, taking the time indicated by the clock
9:59
